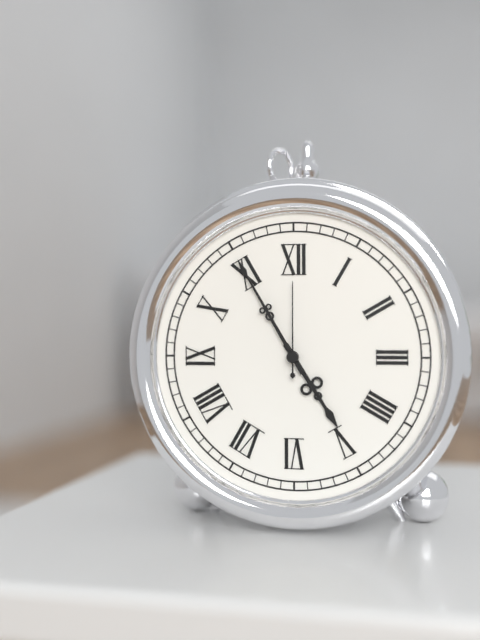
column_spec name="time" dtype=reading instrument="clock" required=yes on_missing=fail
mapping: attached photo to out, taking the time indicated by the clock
4:55:00
